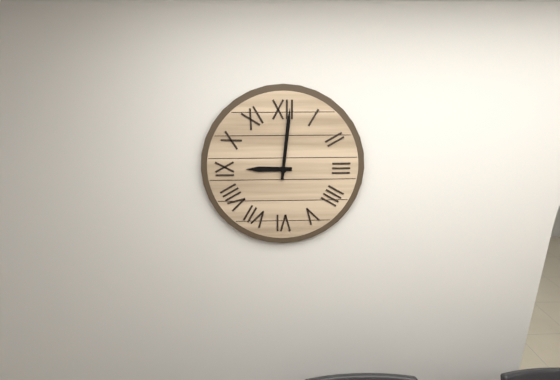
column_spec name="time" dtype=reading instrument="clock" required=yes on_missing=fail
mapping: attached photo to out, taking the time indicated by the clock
9:01
